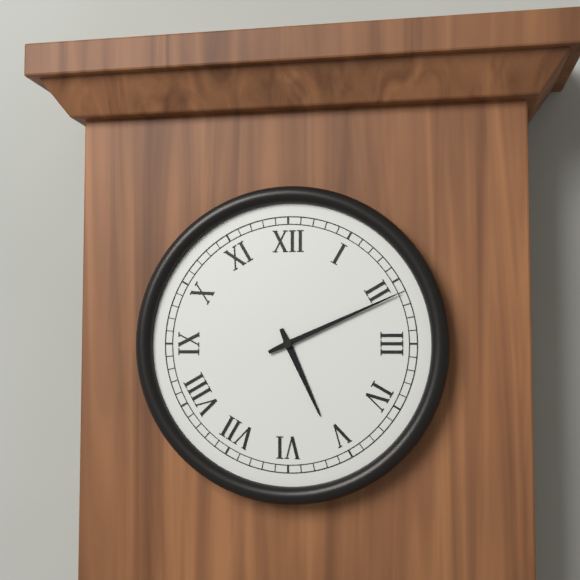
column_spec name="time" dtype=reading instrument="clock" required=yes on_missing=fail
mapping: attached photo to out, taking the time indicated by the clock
5:11
